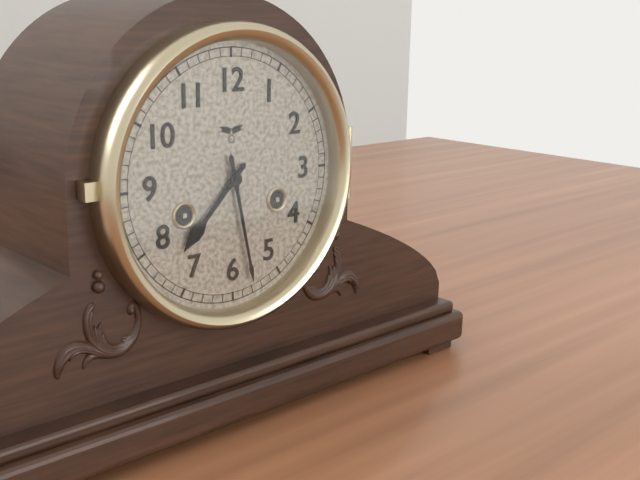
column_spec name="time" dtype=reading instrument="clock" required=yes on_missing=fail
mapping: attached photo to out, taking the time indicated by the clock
7:28
